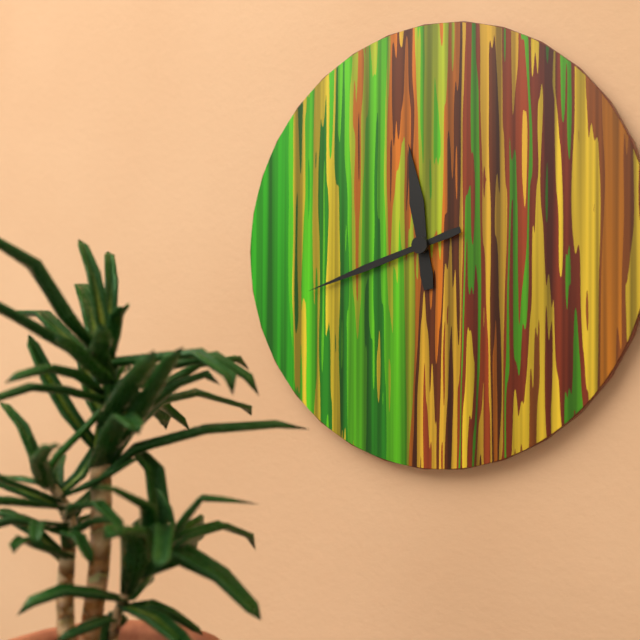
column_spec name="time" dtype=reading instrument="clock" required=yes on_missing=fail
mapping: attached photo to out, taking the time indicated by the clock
11:42
